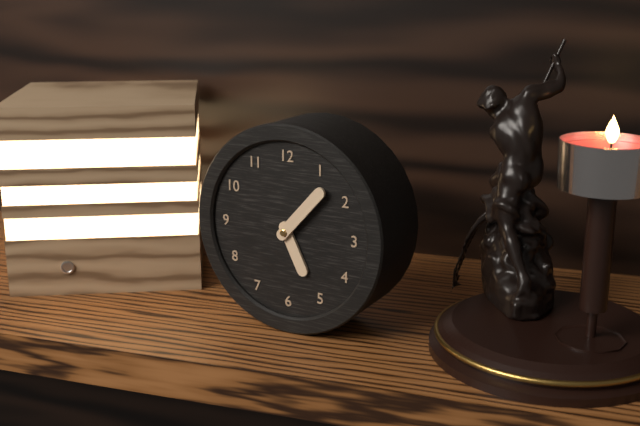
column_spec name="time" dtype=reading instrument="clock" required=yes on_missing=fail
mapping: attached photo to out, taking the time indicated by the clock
5:07
